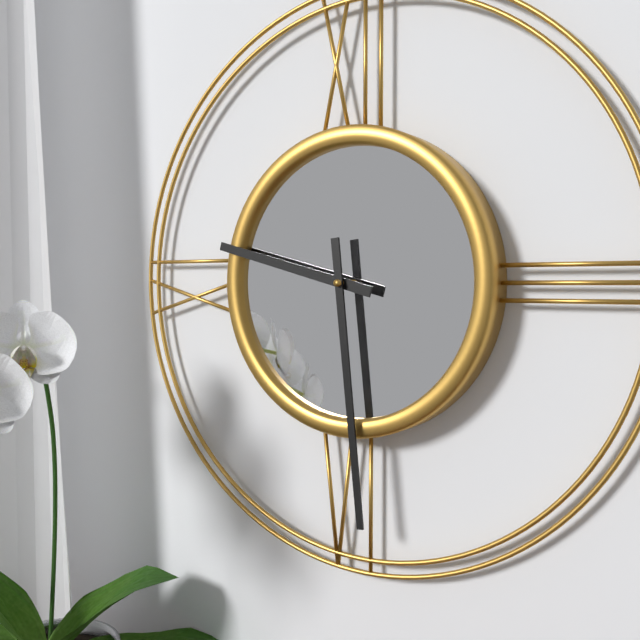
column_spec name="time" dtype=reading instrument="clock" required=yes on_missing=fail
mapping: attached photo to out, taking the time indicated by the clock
9:29
